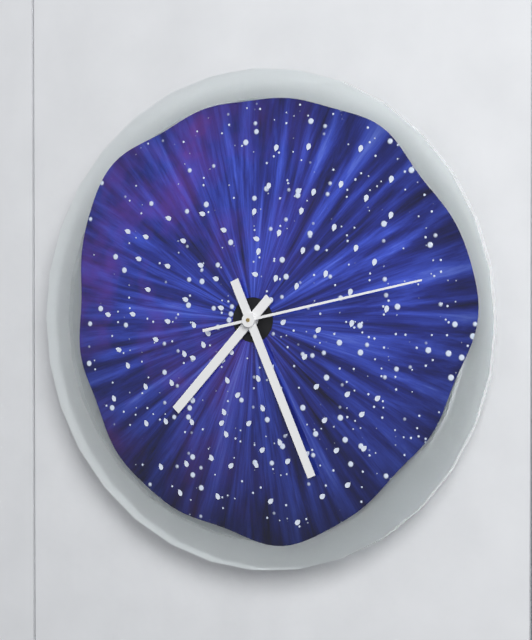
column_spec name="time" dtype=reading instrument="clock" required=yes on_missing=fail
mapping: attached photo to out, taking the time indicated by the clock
7:26:13
